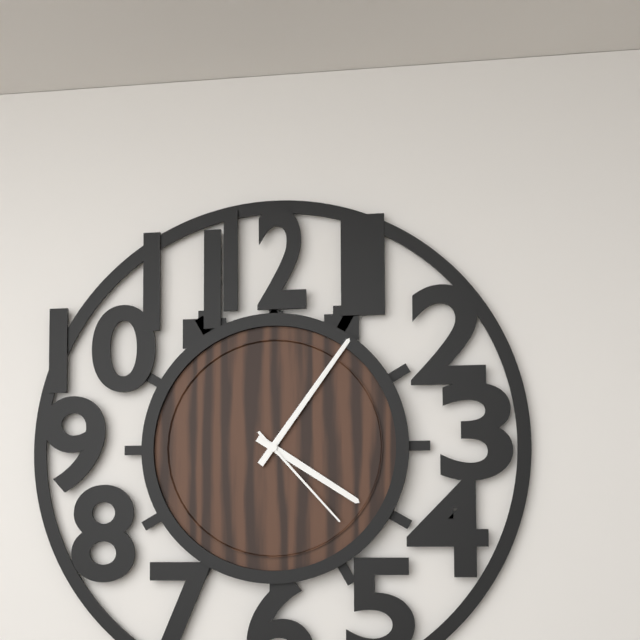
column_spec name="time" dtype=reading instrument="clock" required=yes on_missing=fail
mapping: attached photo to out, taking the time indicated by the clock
4:06:23
